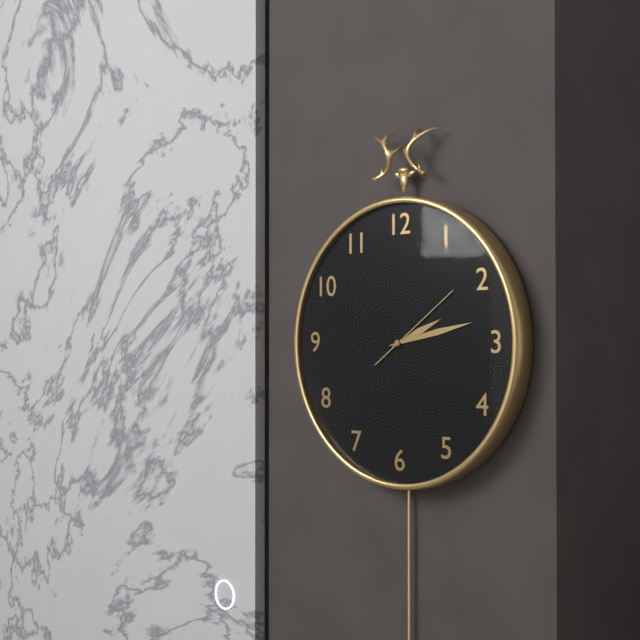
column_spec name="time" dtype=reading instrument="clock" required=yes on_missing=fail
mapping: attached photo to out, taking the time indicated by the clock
2:13:09
